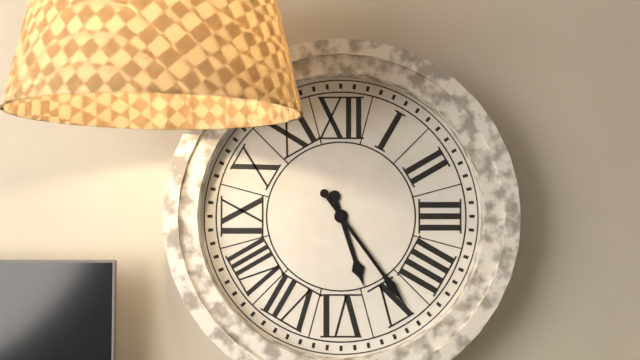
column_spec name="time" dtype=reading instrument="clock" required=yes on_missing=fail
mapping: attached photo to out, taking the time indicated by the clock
5:24
